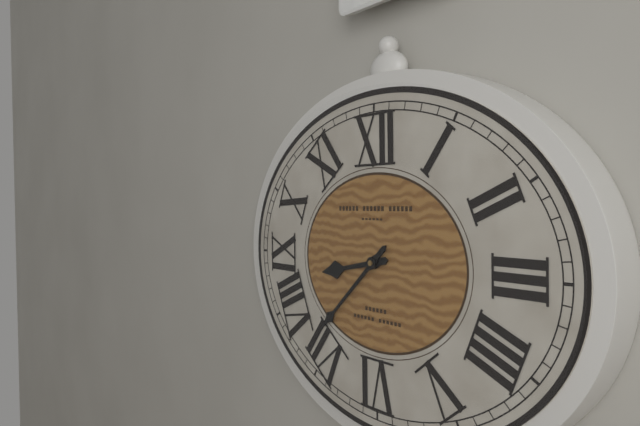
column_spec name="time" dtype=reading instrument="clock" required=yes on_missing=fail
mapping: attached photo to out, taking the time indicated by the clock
8:38
